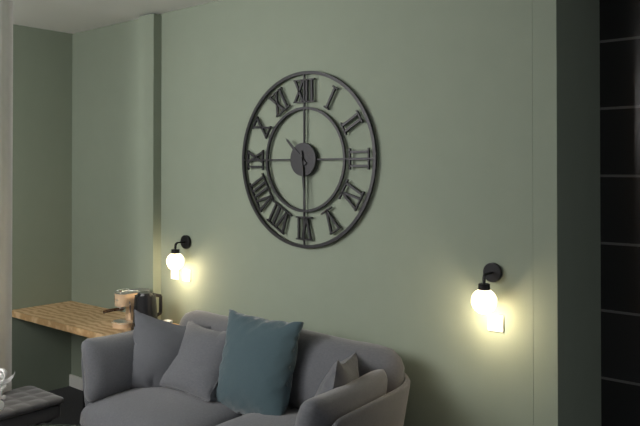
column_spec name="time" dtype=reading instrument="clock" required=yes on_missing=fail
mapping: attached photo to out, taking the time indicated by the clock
10:29
